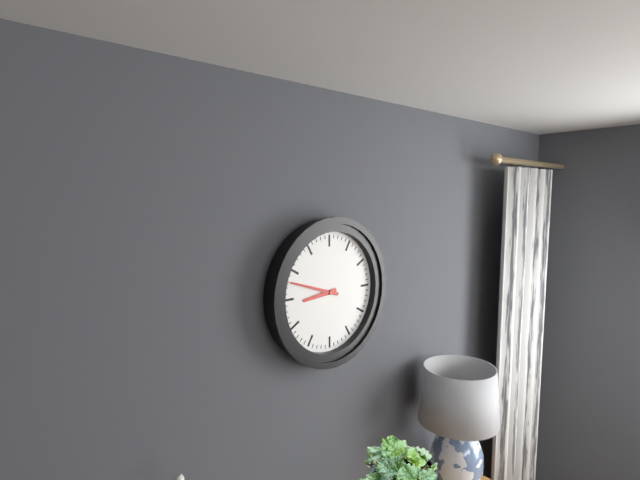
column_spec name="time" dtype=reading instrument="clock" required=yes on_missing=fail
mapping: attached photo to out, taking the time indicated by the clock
8:48
